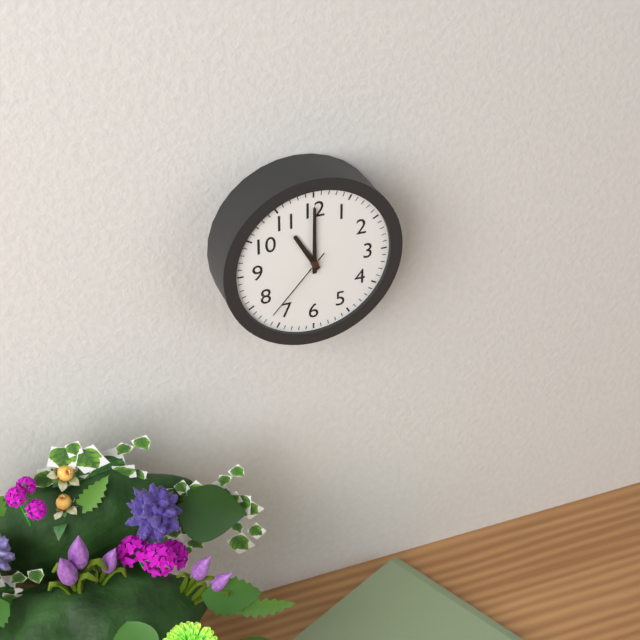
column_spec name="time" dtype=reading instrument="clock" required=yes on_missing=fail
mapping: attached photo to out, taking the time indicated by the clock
11:00:37
